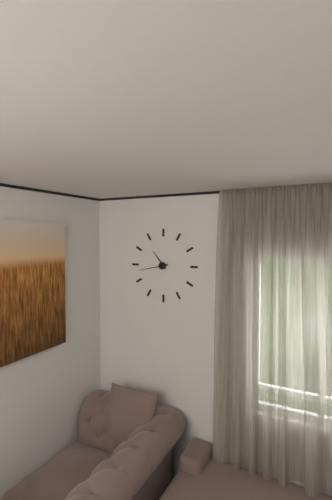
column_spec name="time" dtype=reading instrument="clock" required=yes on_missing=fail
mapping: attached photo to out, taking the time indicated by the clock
10:43
